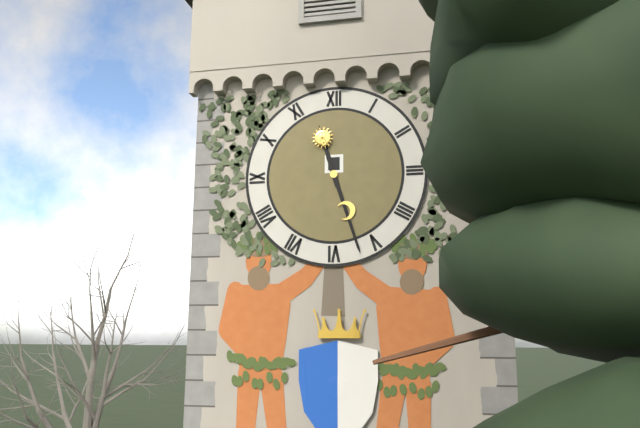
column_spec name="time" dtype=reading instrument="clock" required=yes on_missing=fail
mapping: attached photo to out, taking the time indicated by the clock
11:27
